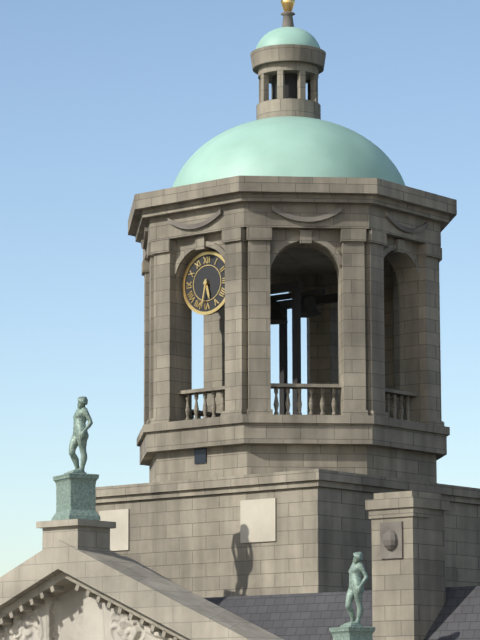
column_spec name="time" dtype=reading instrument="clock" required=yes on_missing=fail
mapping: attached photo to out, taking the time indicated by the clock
5:32
